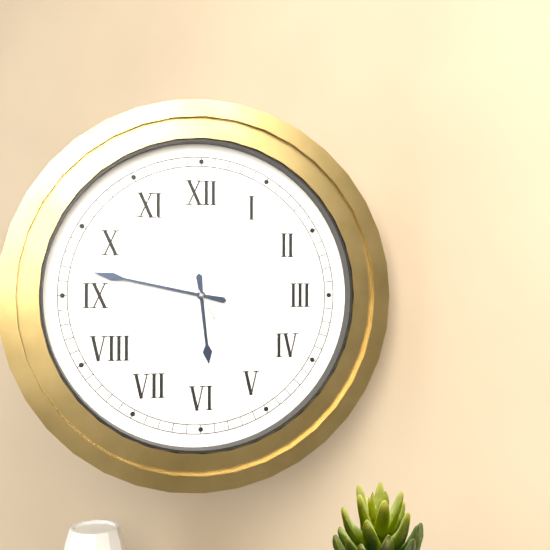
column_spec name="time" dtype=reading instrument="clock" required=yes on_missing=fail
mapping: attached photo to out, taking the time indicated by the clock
5:47:55
